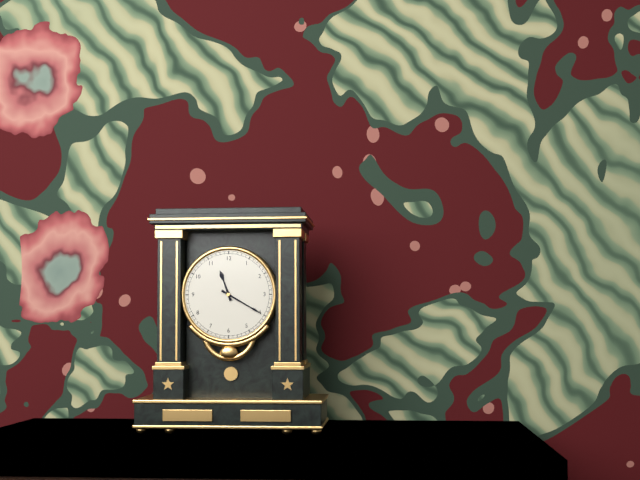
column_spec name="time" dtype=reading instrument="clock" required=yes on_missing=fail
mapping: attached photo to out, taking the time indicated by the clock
11:20
